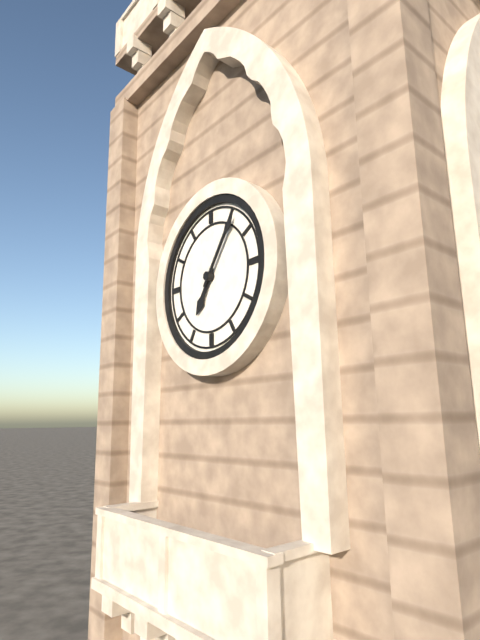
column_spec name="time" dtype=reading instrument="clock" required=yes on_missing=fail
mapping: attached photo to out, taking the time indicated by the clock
7:06
